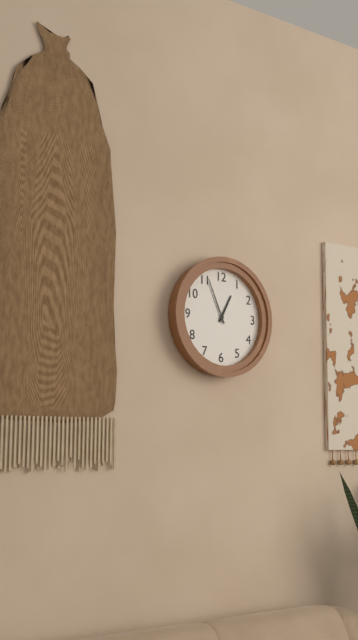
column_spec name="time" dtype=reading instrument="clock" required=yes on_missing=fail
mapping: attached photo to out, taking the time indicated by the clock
12:56
